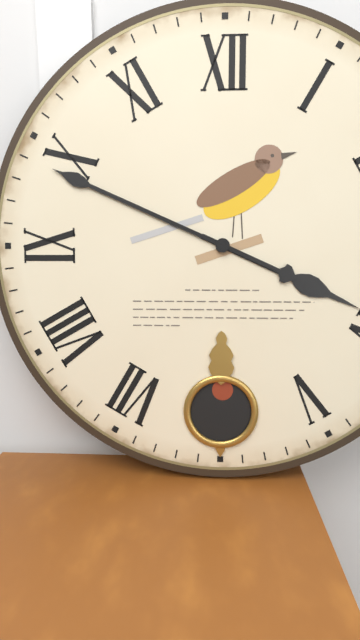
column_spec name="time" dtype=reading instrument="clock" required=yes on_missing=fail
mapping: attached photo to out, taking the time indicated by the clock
3:49
